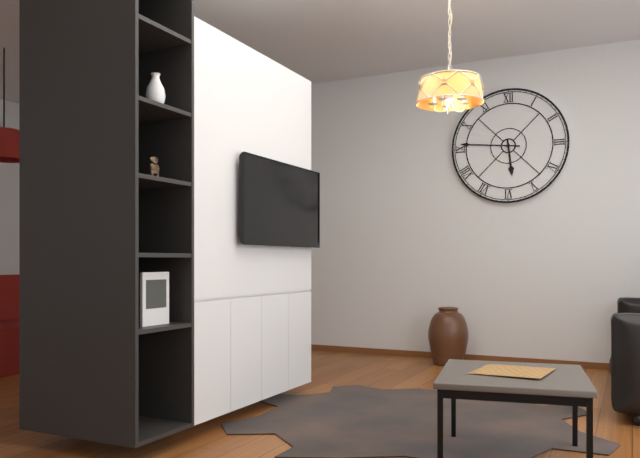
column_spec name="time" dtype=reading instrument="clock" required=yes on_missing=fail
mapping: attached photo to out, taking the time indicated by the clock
5:46
